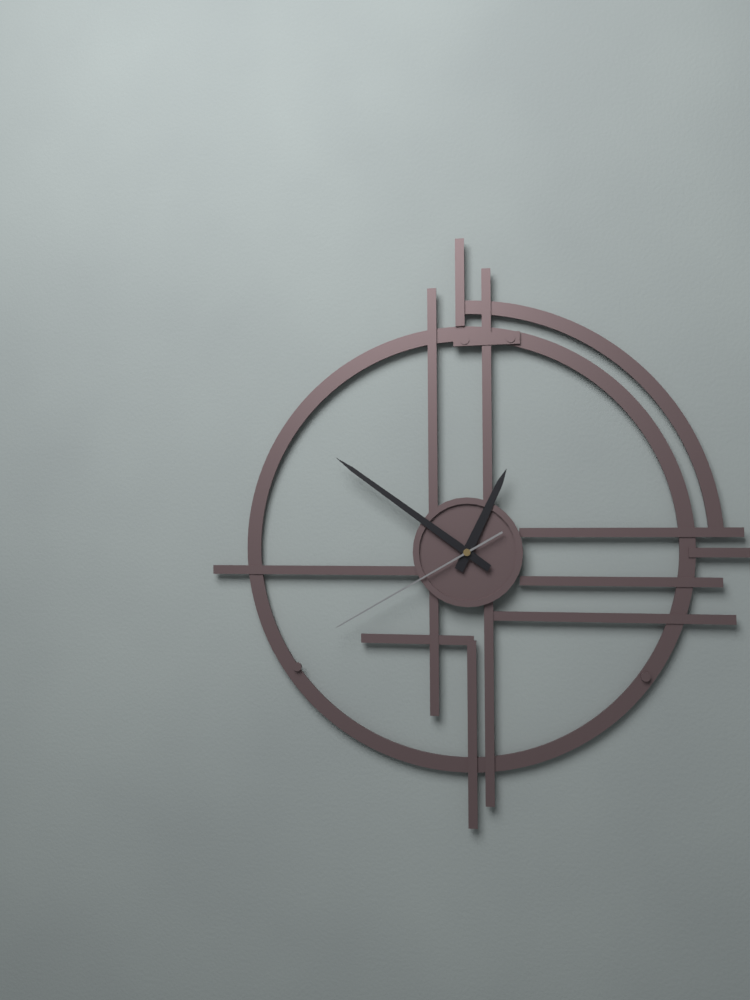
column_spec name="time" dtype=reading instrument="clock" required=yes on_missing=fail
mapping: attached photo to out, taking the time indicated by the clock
12:51:40
